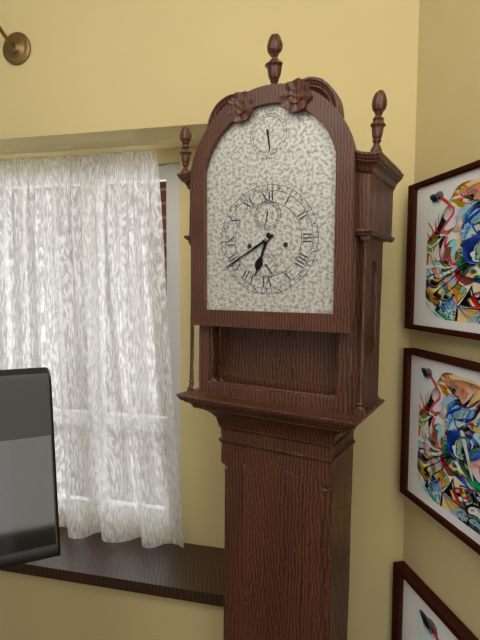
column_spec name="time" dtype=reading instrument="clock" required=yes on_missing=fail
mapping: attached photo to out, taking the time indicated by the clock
6:40
